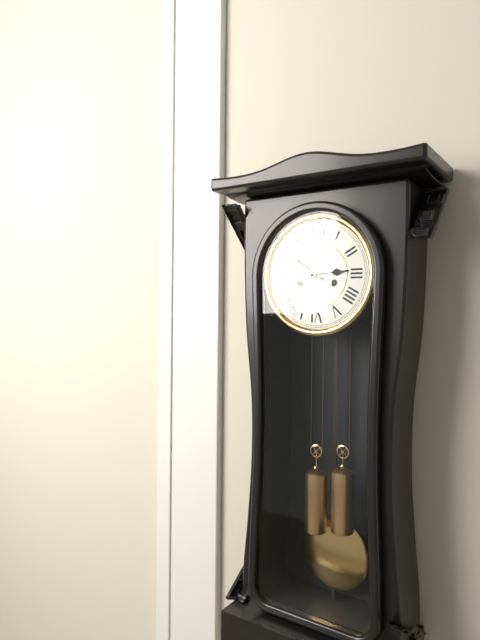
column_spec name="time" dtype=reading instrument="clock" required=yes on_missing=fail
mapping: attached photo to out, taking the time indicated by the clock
2:51
